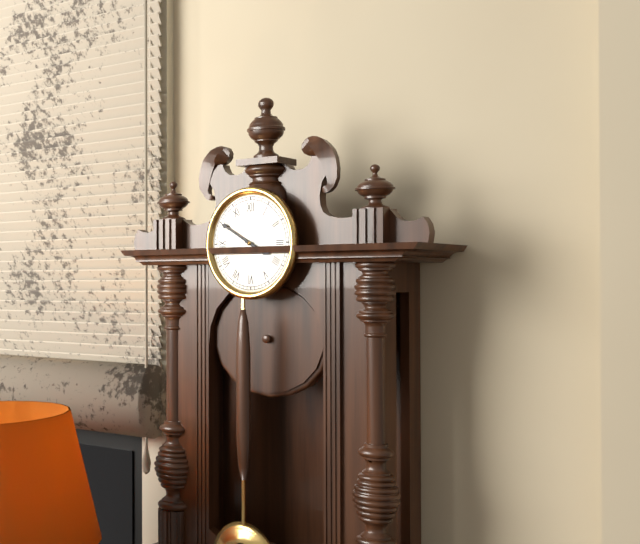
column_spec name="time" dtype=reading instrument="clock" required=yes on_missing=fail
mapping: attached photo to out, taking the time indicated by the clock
3:50
